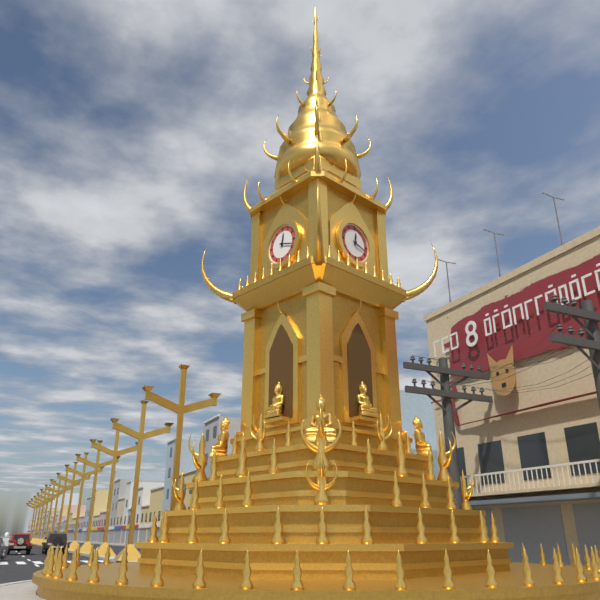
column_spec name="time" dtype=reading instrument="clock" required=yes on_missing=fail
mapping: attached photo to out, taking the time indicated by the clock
12:18
